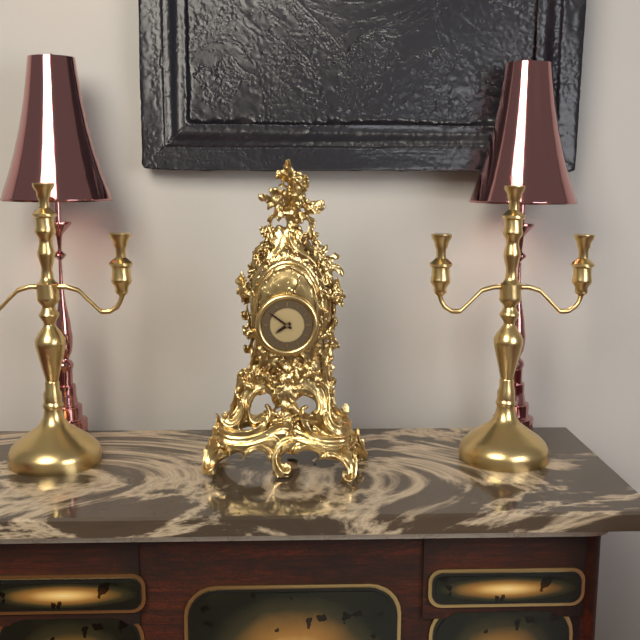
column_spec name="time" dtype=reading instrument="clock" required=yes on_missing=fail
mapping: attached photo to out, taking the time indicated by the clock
7:51
